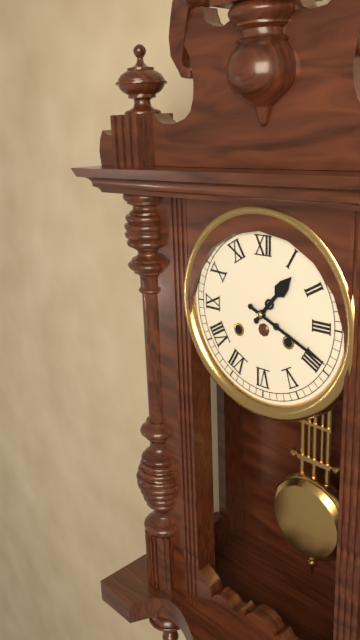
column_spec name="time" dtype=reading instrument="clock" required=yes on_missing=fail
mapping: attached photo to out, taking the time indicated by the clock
1:19
